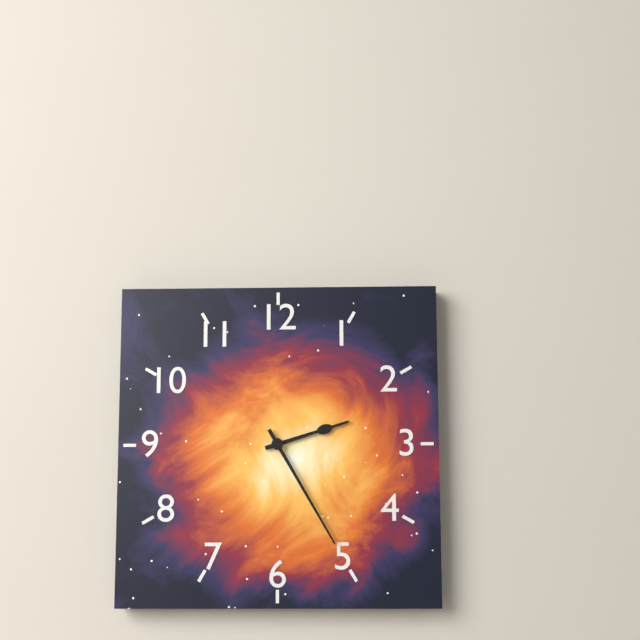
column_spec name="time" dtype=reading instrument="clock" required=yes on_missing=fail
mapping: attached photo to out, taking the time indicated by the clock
2:25
